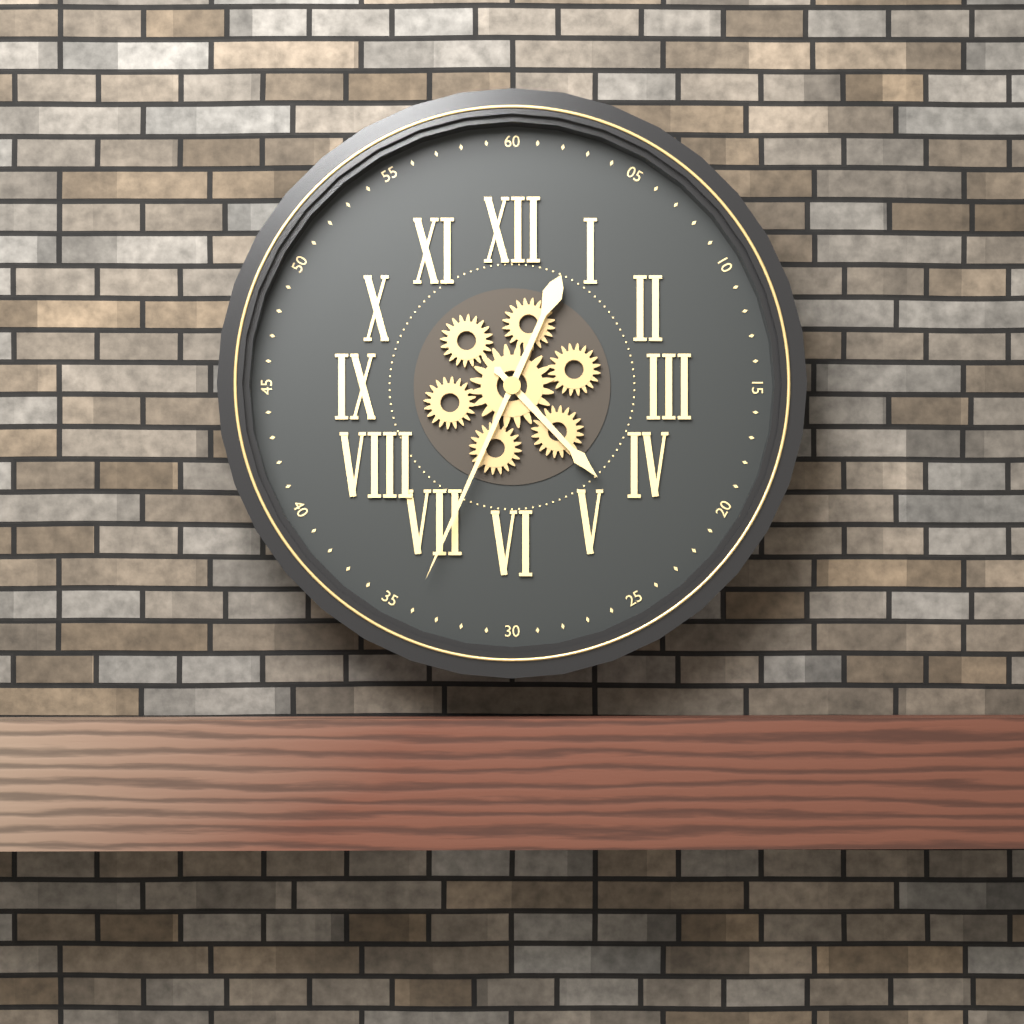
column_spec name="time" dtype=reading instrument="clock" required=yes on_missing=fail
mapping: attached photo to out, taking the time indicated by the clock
4:34
